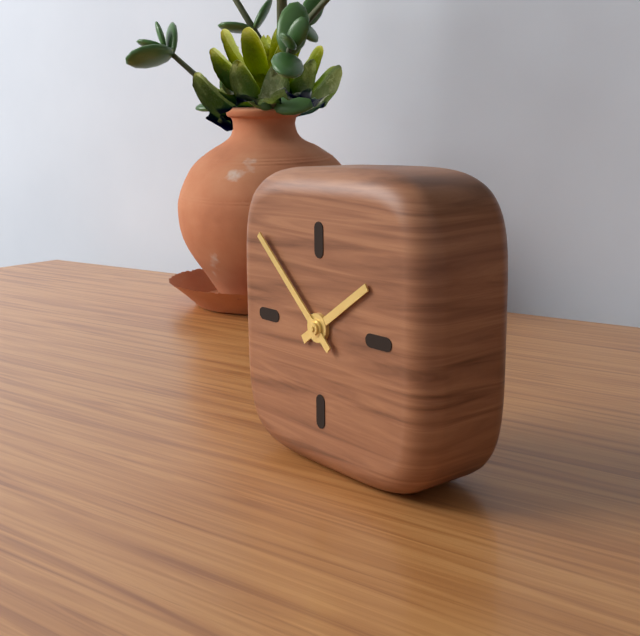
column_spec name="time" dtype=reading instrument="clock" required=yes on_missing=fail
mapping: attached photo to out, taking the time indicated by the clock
1:52
